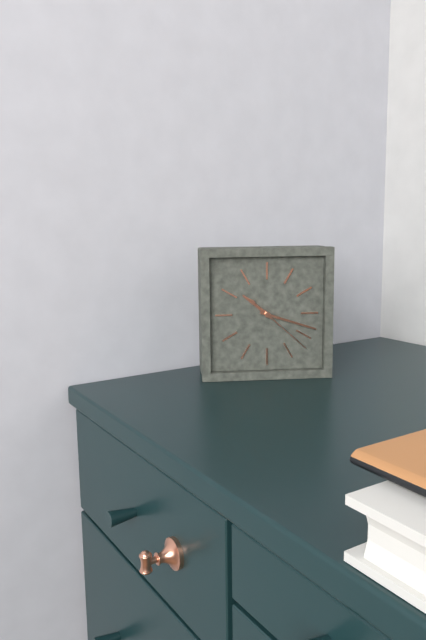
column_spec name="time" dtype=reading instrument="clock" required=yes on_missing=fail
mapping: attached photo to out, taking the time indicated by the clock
10:18:22
